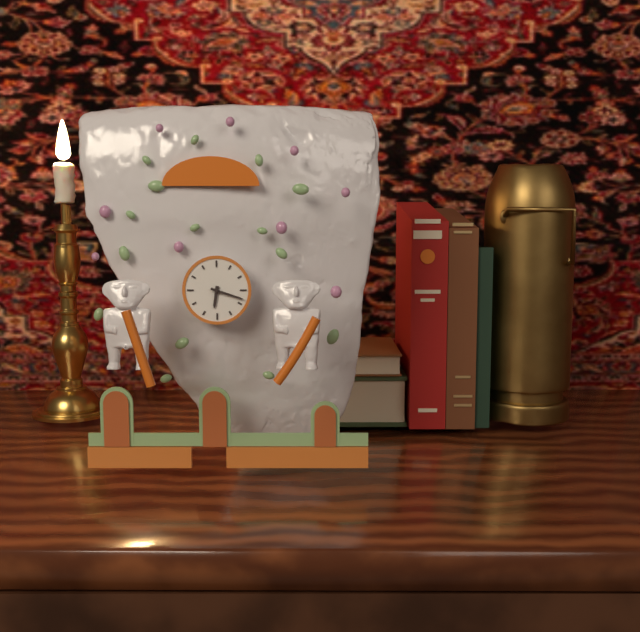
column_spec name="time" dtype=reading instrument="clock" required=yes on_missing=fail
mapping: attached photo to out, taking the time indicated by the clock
6:18
